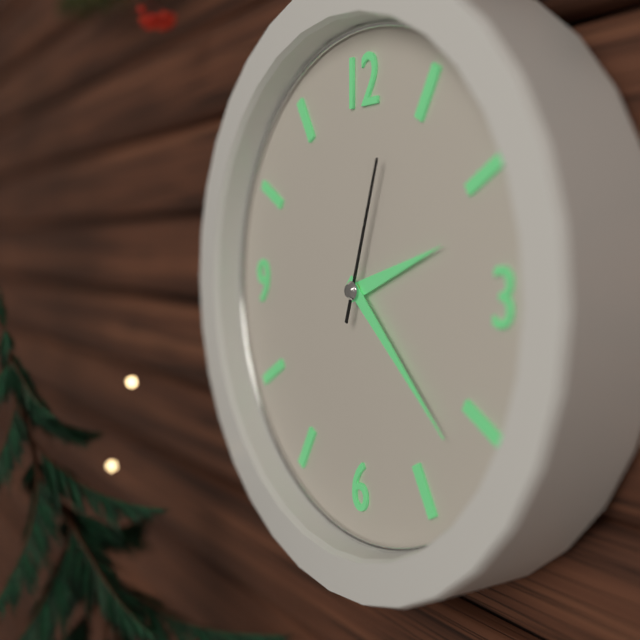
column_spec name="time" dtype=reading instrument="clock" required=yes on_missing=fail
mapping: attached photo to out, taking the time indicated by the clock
2:22:03
